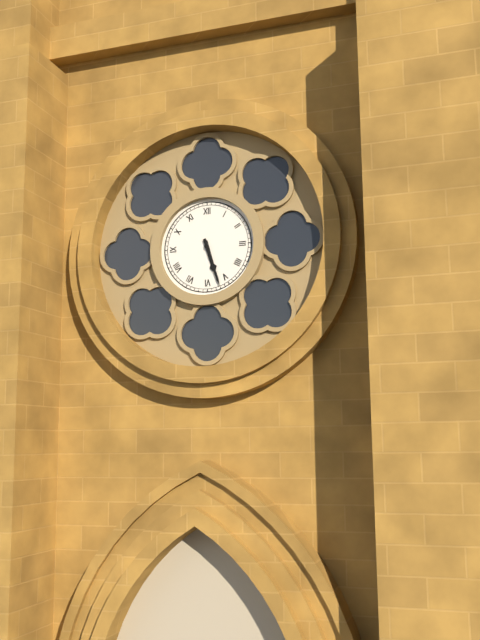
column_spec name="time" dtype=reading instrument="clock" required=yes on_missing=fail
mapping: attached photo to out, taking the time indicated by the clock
5:27
